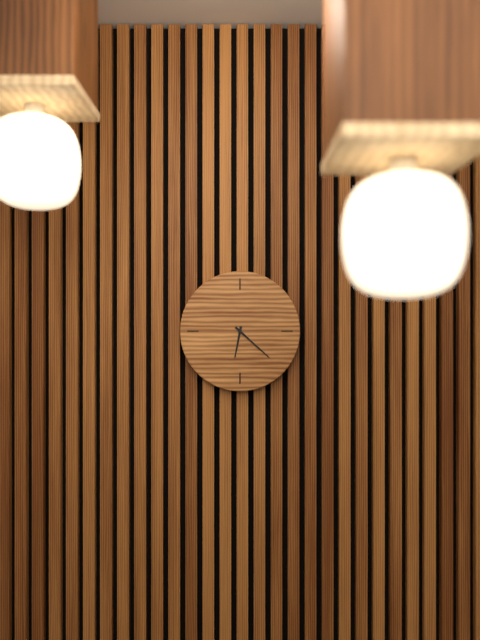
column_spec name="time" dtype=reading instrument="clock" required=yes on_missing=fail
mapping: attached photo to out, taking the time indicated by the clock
6:22
